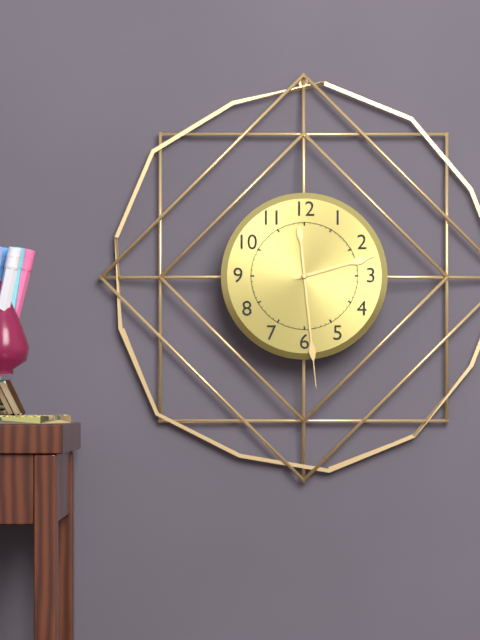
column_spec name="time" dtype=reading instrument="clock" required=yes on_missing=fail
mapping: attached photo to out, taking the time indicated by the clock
2:29
